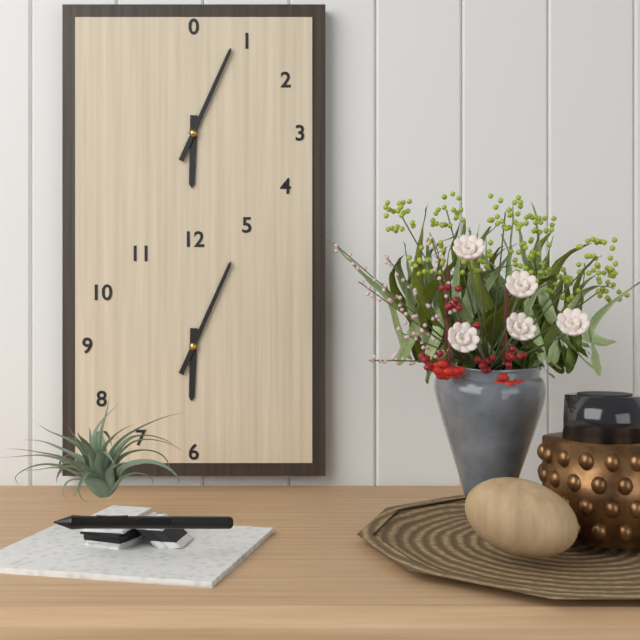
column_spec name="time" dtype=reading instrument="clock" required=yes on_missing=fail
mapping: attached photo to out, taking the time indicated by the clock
6:04
